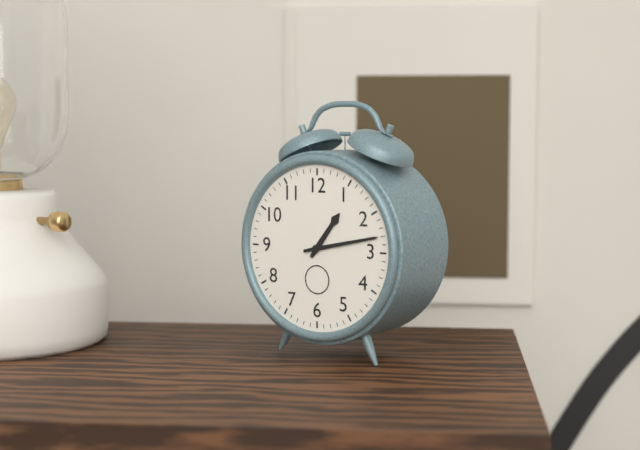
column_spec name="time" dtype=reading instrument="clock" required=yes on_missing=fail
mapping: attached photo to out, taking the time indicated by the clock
1:13
